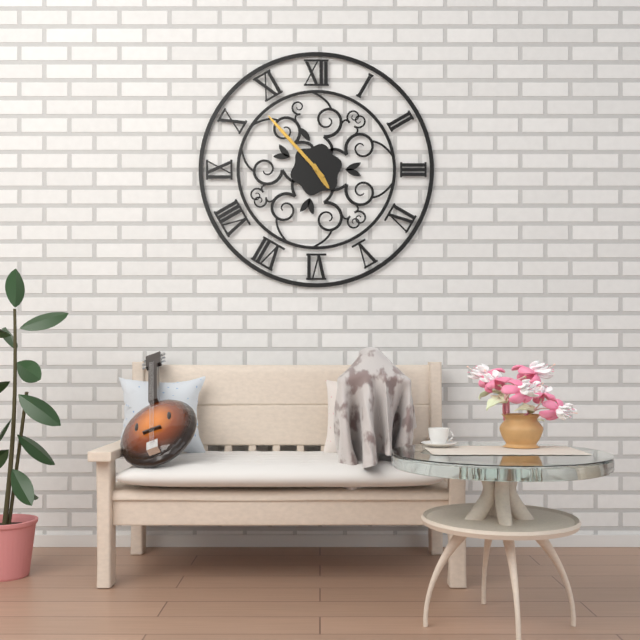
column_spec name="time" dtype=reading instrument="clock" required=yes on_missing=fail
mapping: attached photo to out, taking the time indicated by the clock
4:53
